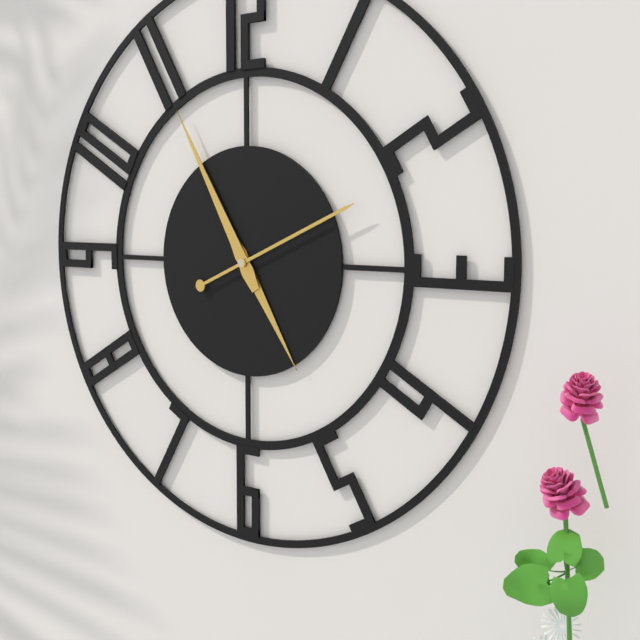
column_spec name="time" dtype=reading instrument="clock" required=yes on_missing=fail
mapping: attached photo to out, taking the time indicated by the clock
4:55:11
